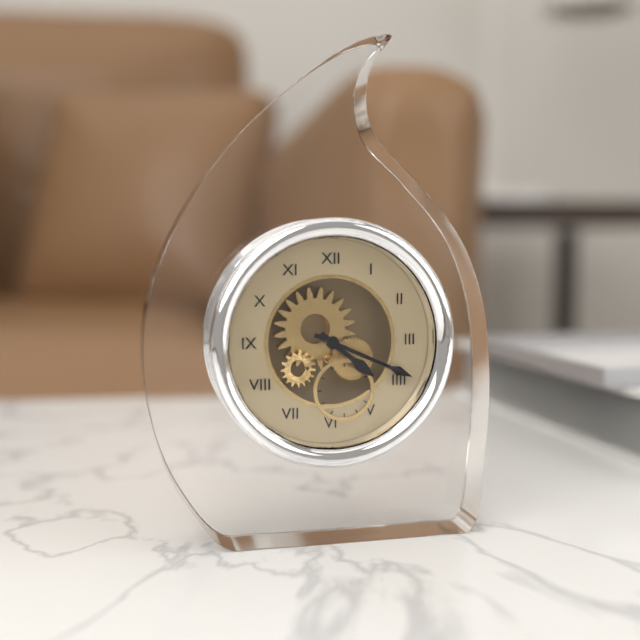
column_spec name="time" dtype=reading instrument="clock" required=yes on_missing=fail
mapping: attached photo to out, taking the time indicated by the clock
4:19
